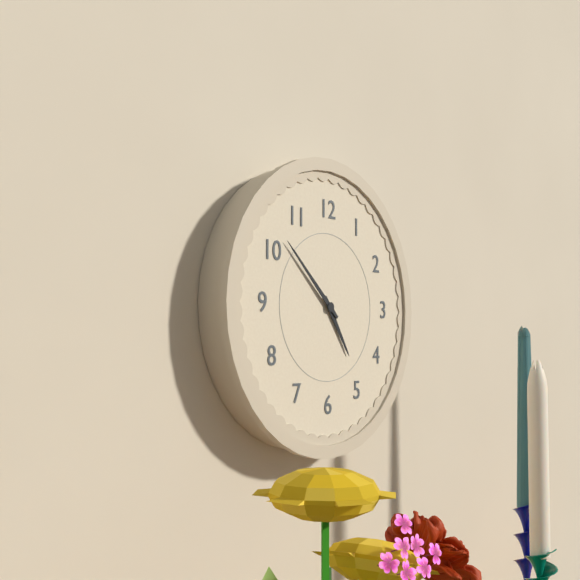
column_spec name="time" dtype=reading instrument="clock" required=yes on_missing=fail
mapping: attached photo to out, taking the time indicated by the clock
4:52
